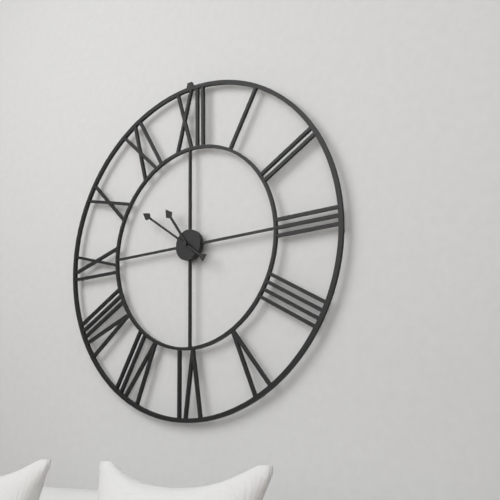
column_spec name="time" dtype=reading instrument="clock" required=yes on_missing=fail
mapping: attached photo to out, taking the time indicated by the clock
10:51
